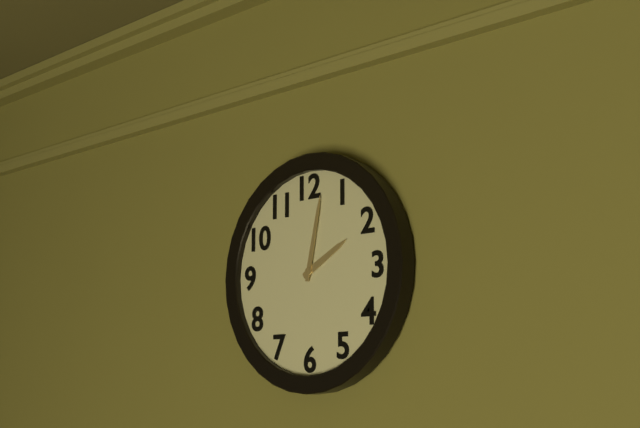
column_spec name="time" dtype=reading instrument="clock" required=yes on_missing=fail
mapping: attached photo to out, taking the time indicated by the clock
2:02
